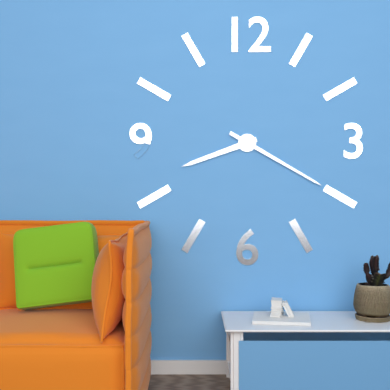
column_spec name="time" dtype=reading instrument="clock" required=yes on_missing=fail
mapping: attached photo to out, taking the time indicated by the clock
8:20
